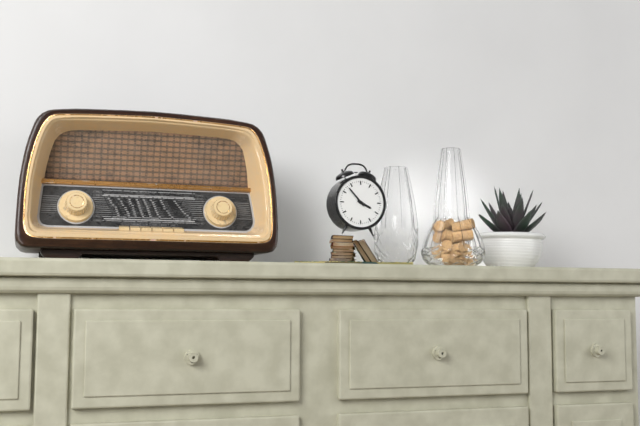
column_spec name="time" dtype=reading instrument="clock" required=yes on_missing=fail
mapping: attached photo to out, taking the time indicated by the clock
3:53
